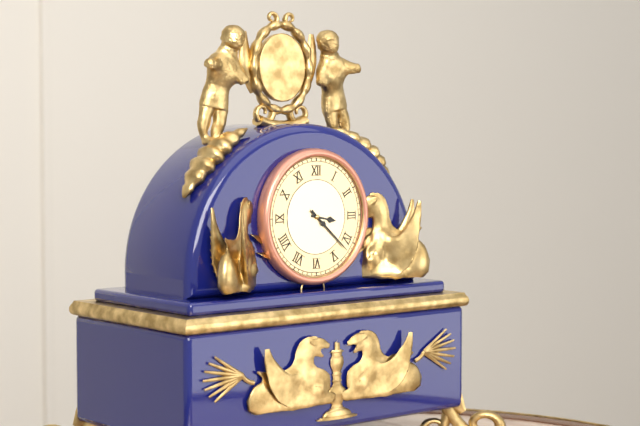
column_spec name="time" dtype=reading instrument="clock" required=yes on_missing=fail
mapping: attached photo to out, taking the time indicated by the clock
3:22
